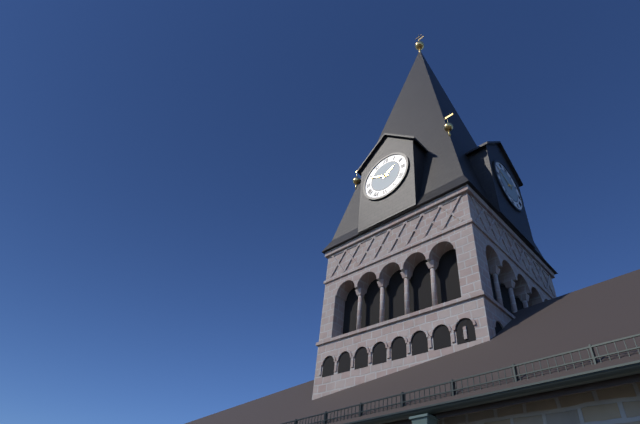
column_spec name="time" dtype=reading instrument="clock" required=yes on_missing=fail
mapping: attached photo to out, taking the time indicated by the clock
1:49
